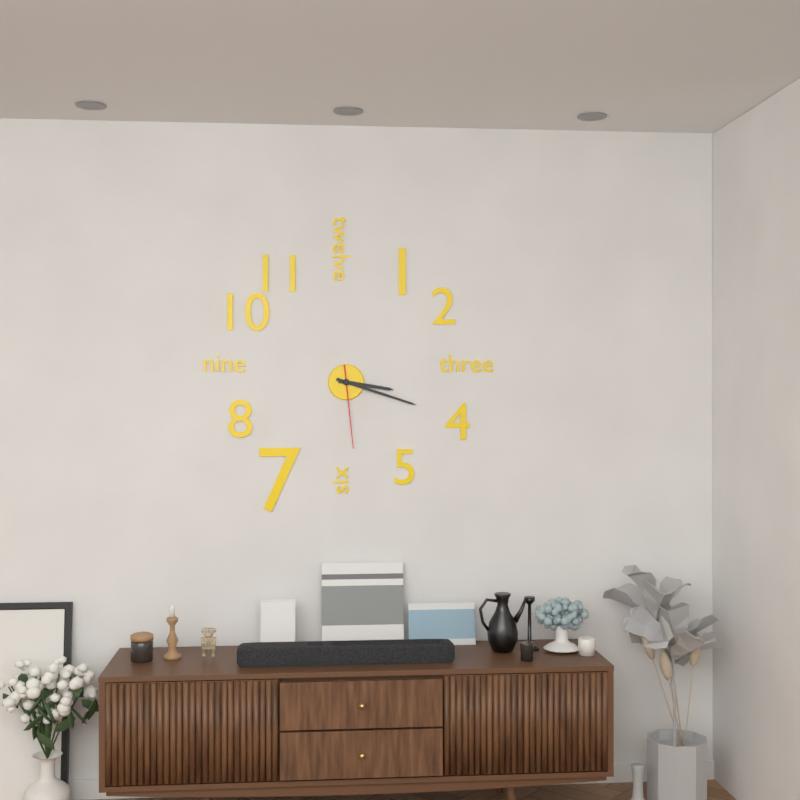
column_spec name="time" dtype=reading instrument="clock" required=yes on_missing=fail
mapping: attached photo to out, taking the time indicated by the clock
3:18:29
